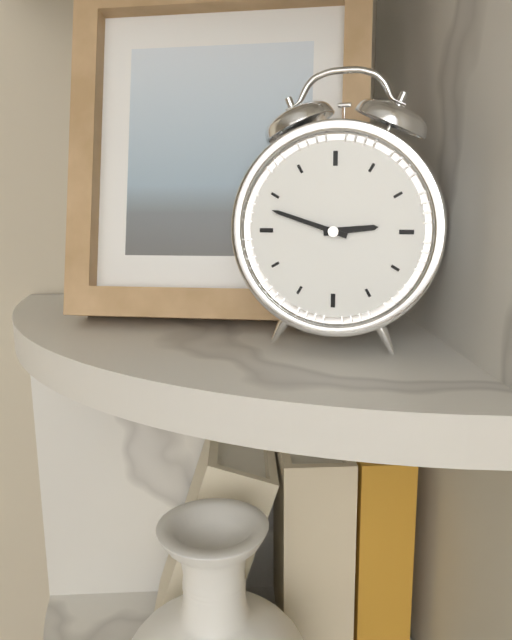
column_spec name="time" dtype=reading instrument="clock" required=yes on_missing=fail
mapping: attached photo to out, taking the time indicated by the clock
2:48
